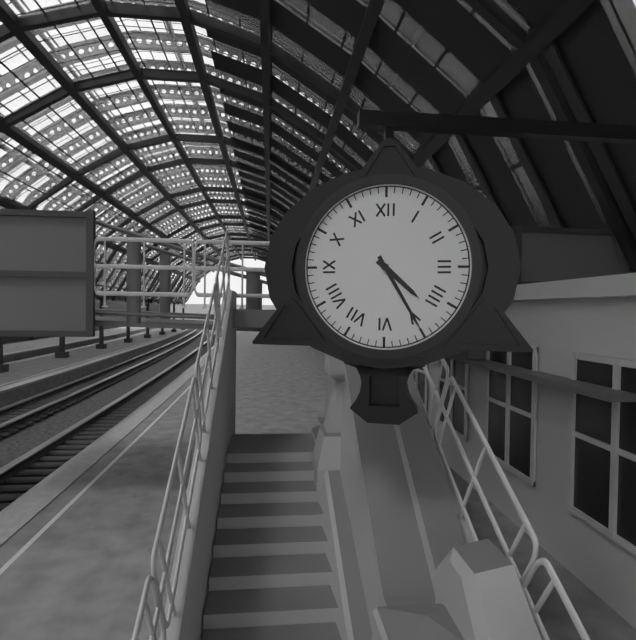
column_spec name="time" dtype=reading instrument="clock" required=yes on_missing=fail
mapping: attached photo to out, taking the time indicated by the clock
4:25
